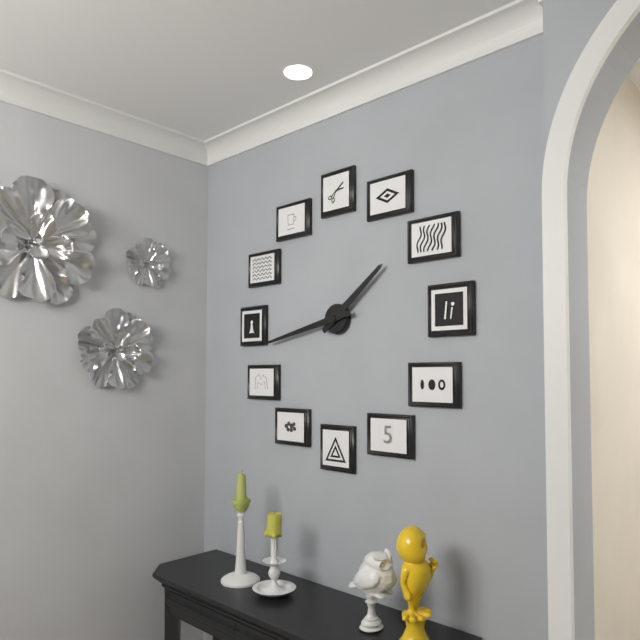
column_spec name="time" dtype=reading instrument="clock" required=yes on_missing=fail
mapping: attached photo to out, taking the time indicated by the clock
1:43
